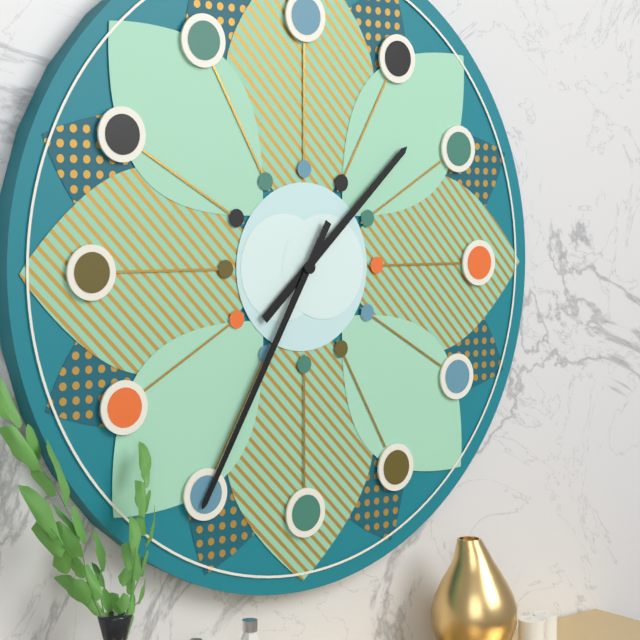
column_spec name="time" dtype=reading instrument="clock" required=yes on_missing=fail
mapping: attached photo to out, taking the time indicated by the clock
1:35
